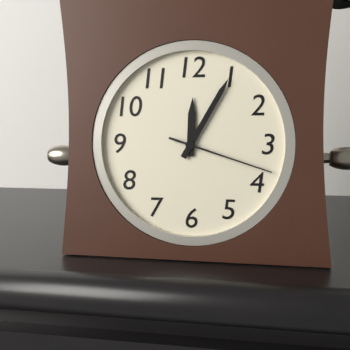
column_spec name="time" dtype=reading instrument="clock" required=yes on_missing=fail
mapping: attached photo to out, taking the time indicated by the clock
12:05:18
